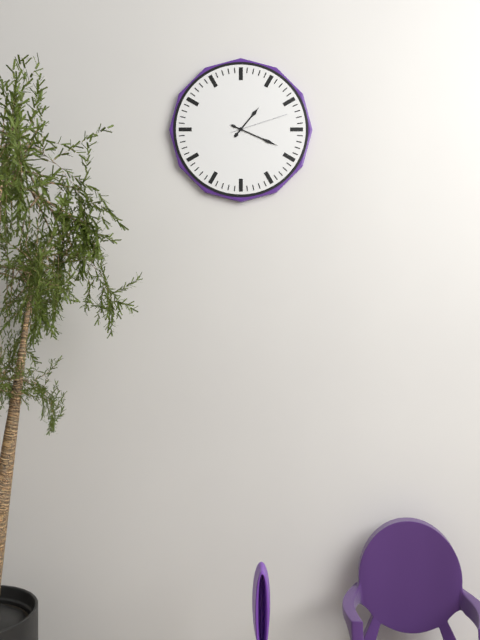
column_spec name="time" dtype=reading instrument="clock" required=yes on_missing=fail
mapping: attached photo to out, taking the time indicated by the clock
1:19:12
